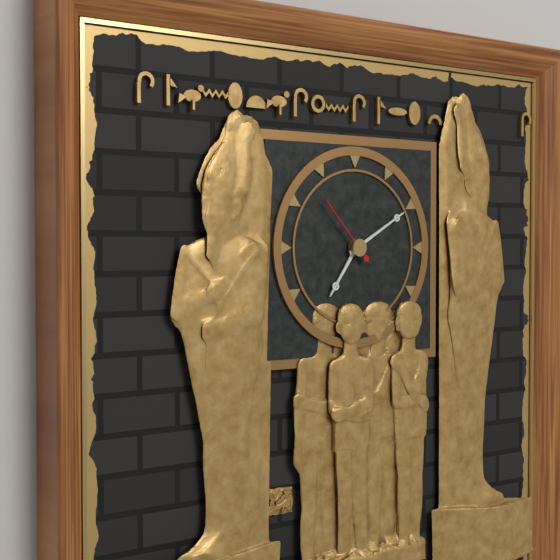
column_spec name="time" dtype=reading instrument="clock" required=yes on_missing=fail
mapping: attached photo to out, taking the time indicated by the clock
7:10:53
